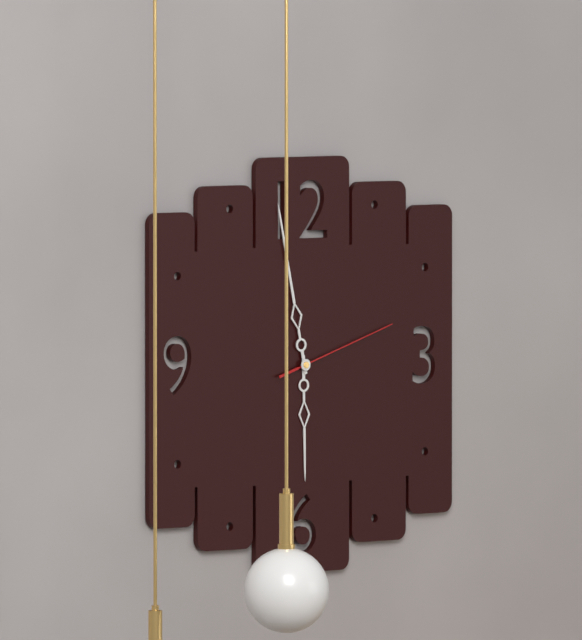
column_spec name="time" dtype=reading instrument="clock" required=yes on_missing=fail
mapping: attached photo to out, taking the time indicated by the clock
5:58:12
